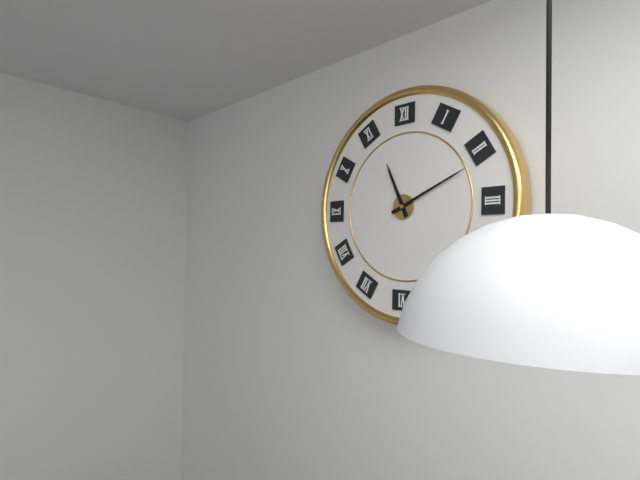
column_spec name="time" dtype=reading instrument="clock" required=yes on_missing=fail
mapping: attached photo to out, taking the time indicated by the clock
11:11
